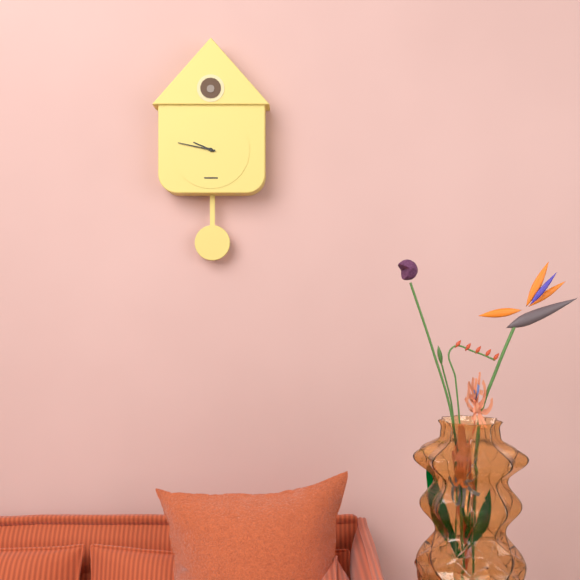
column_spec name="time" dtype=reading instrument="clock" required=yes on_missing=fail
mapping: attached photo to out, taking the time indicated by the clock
9:47
